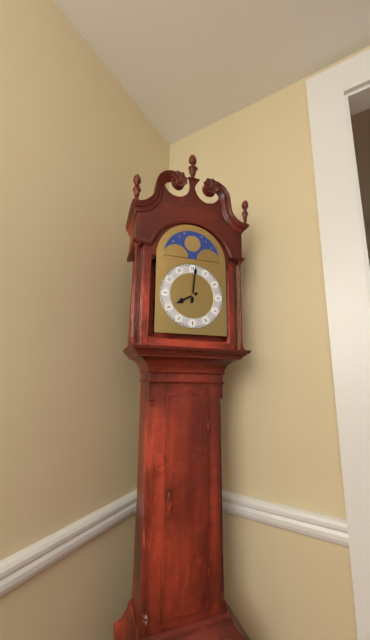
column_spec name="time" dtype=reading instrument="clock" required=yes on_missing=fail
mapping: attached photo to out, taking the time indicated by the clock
8:01
